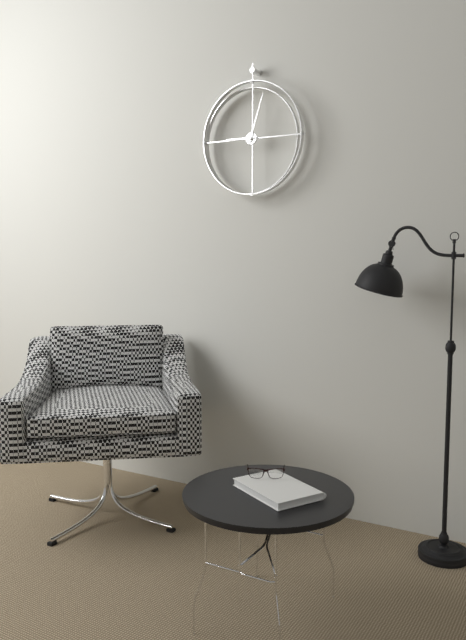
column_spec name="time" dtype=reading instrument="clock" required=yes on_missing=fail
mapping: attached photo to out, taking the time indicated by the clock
9:03
